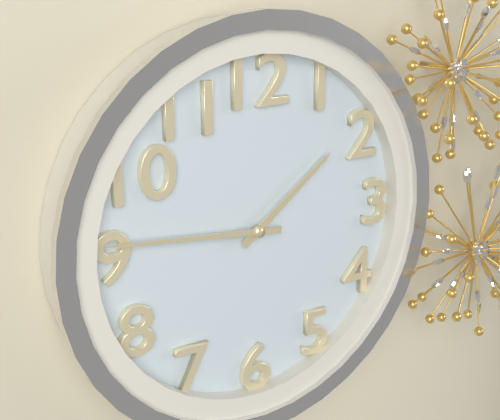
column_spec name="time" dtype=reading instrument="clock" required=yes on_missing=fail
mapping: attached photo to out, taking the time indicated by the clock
1:46
